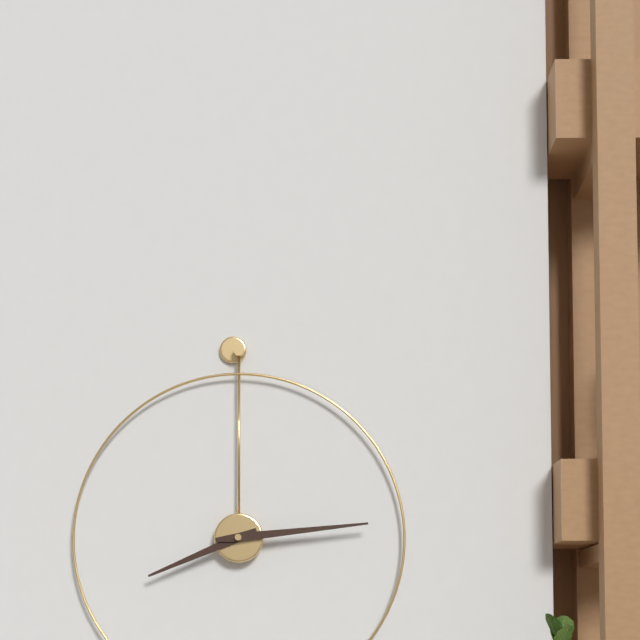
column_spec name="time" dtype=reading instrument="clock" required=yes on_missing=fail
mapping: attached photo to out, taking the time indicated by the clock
8:14
